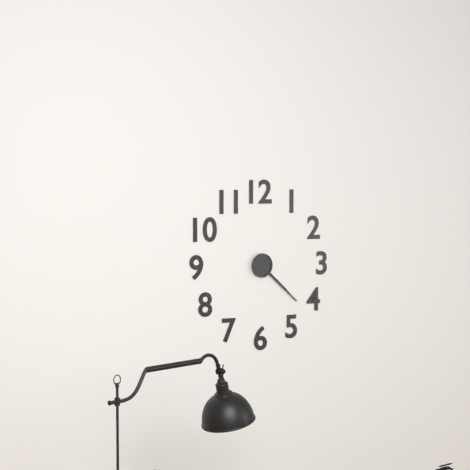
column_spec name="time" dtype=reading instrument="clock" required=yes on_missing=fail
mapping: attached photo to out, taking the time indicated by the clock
4:22
